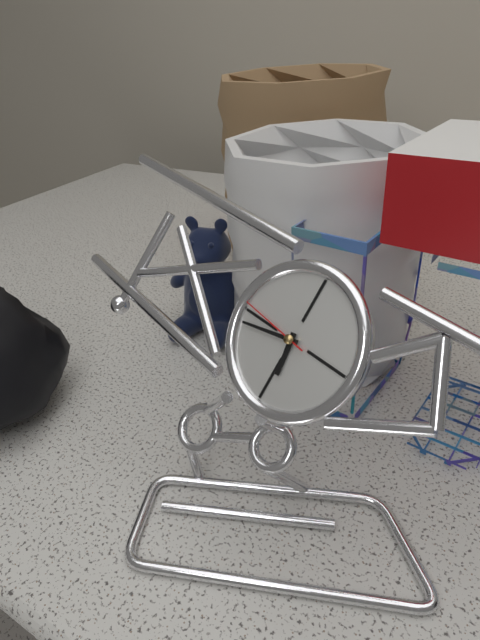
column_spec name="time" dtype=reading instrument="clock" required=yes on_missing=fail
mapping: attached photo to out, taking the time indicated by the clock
5:43:46
